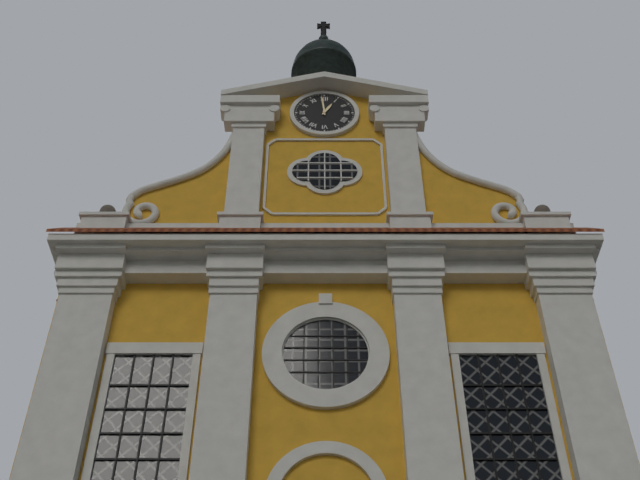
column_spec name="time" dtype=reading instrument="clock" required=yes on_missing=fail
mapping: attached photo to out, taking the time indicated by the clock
12:59
